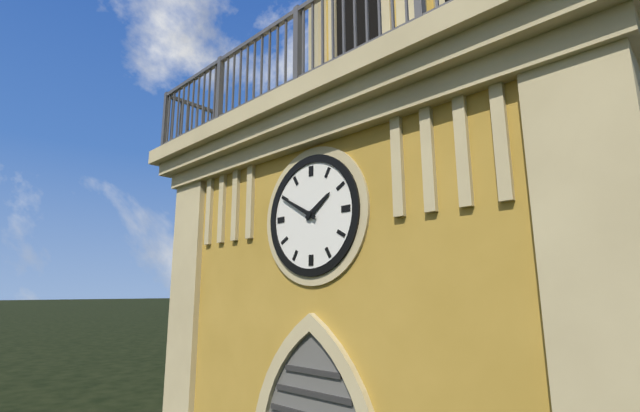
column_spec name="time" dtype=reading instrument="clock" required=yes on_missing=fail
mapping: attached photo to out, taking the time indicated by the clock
1:50
